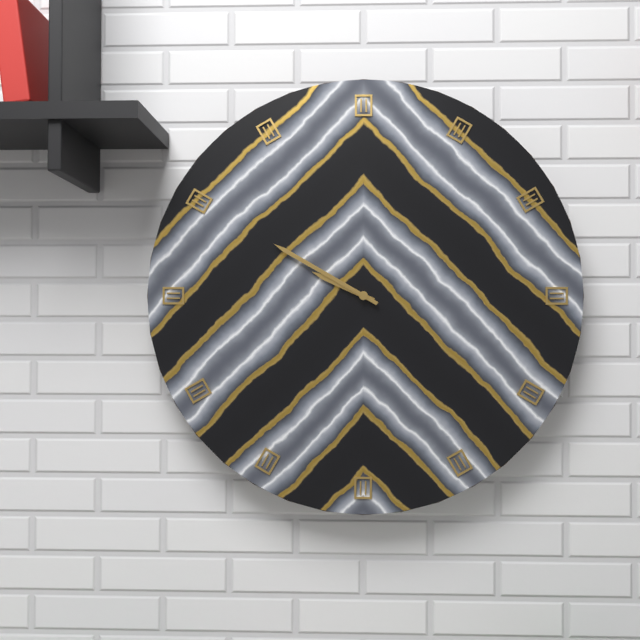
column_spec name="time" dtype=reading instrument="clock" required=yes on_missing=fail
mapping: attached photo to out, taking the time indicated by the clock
9:50
